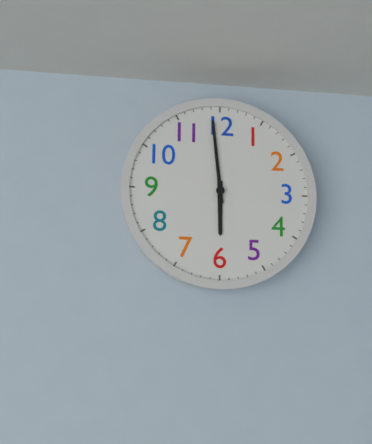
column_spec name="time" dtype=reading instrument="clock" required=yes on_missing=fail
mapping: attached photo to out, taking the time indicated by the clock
5:59
